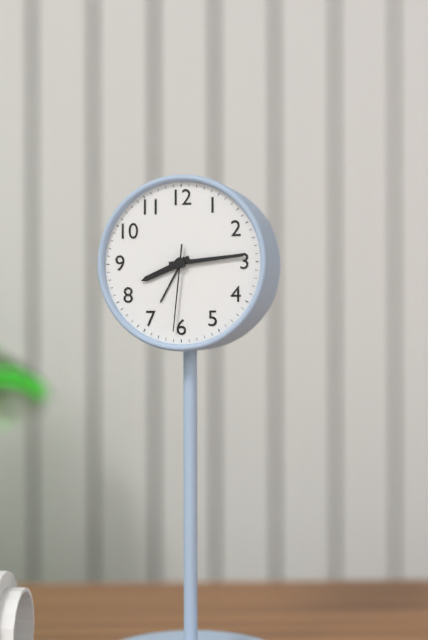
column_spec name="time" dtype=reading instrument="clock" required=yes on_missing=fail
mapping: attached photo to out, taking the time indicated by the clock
8:14:31
